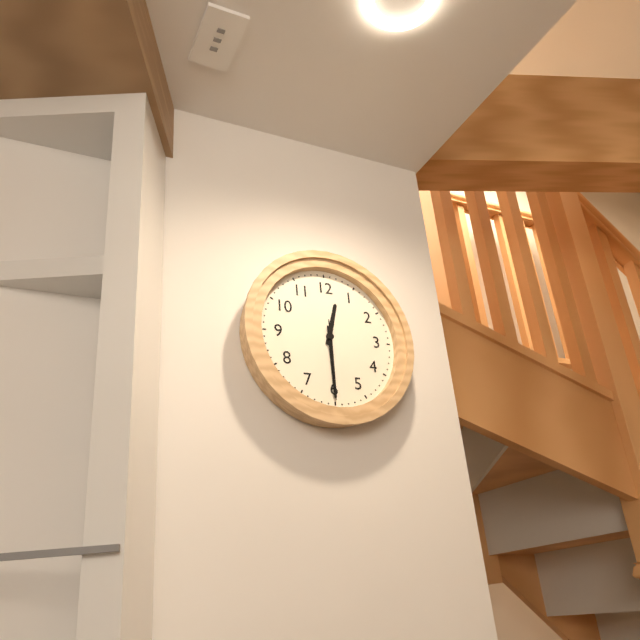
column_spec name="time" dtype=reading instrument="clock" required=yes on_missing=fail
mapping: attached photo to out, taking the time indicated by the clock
12:30:30
